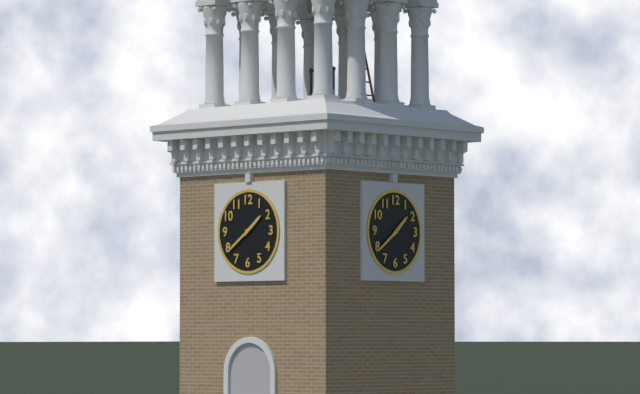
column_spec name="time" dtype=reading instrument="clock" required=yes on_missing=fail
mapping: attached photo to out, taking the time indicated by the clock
1:39
